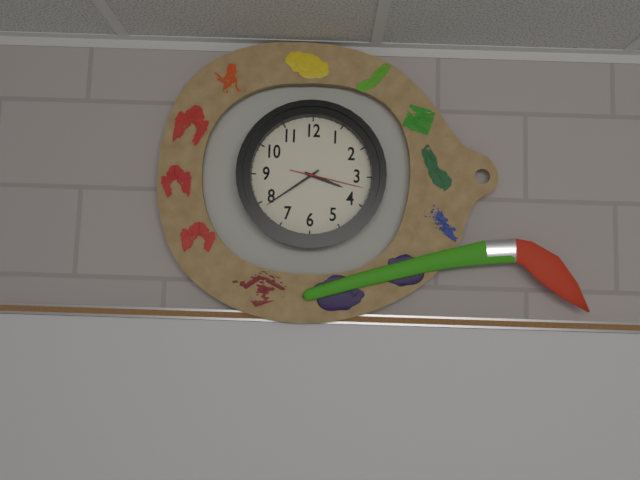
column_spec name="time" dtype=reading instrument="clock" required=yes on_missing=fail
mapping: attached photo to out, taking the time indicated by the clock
3:39:17
